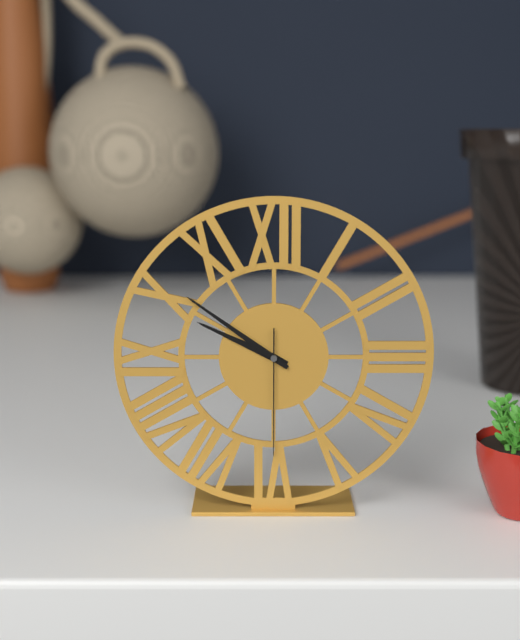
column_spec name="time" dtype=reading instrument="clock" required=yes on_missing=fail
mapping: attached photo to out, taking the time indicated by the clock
9:51:30
